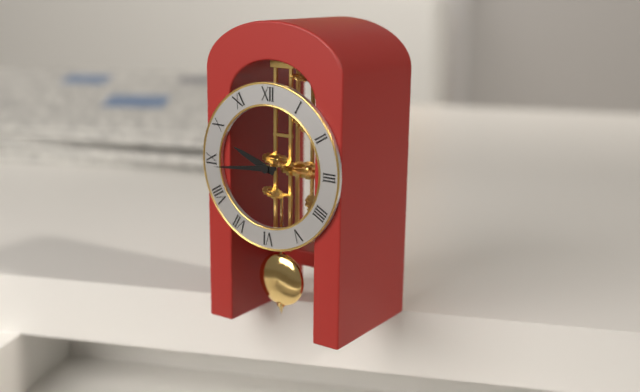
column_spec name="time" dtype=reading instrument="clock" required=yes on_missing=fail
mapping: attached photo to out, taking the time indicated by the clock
9:44
